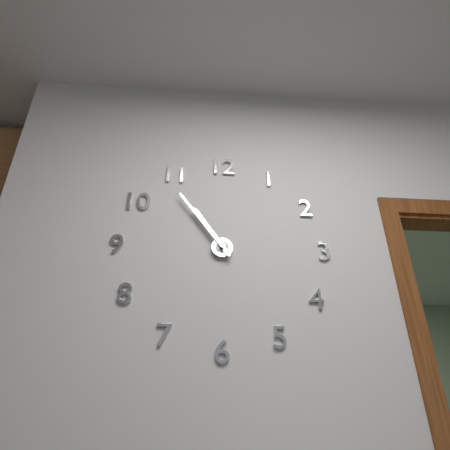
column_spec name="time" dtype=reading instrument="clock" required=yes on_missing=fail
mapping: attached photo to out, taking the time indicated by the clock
10:54
